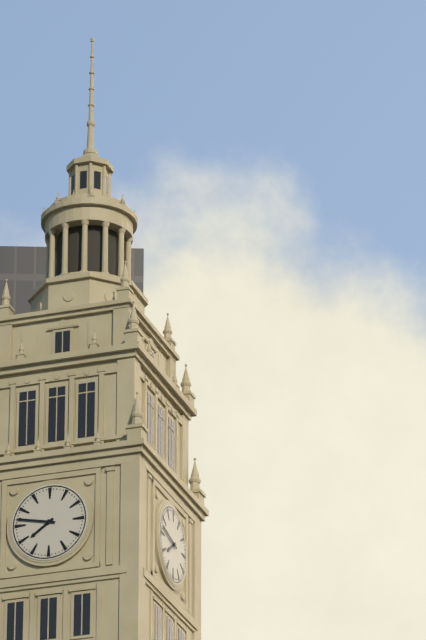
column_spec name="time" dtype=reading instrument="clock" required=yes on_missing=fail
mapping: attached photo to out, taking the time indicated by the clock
7:47
